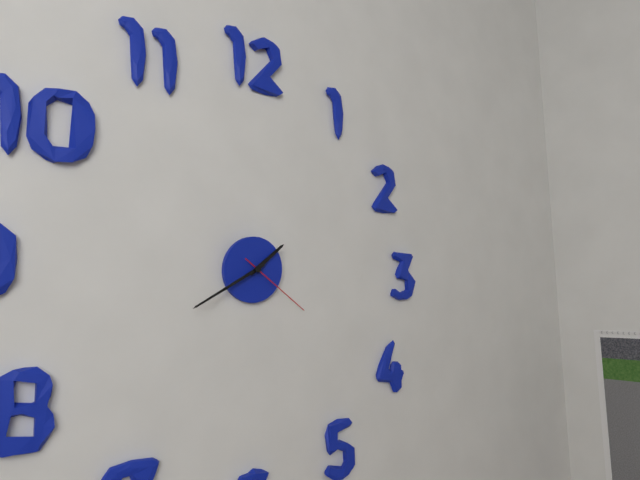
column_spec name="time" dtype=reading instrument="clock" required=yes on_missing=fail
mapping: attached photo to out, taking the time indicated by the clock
1:40:21
